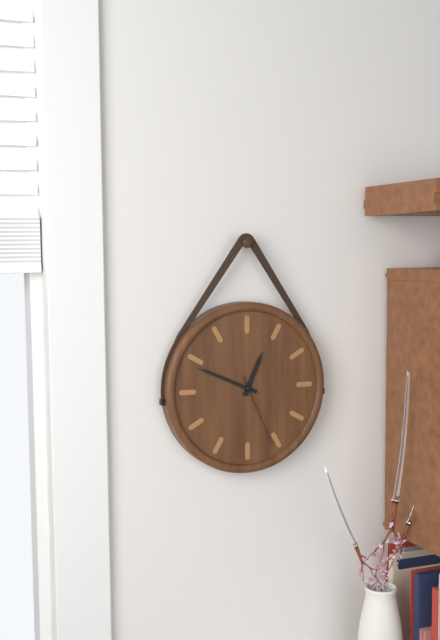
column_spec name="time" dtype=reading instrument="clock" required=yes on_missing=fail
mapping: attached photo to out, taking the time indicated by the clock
12:49:26
